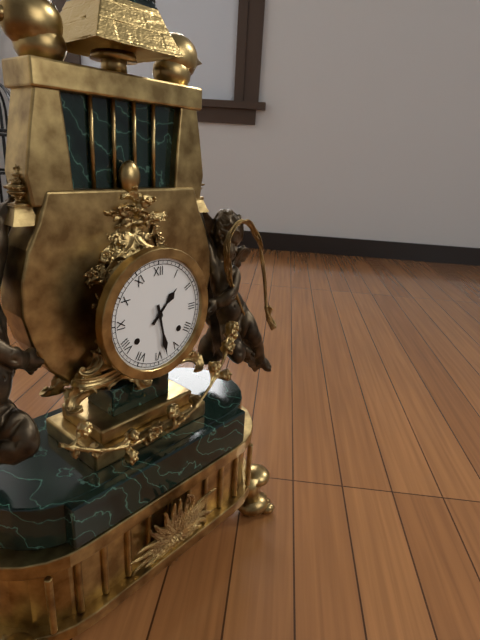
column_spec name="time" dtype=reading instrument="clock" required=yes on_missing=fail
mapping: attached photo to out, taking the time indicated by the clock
1:28
